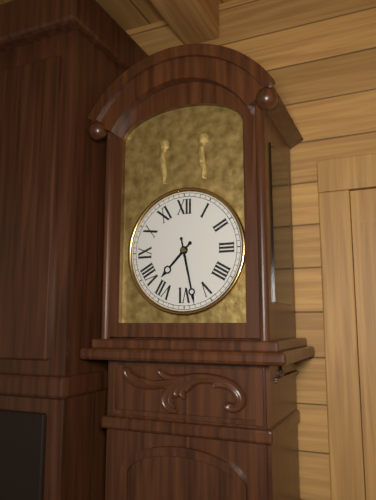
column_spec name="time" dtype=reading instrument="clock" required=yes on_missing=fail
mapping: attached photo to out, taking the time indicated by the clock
7:28
